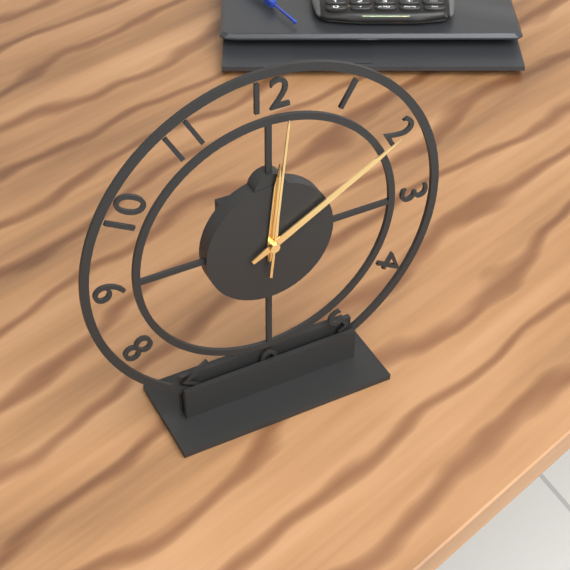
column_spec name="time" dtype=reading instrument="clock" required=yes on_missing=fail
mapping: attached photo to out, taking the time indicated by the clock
12:10:01
